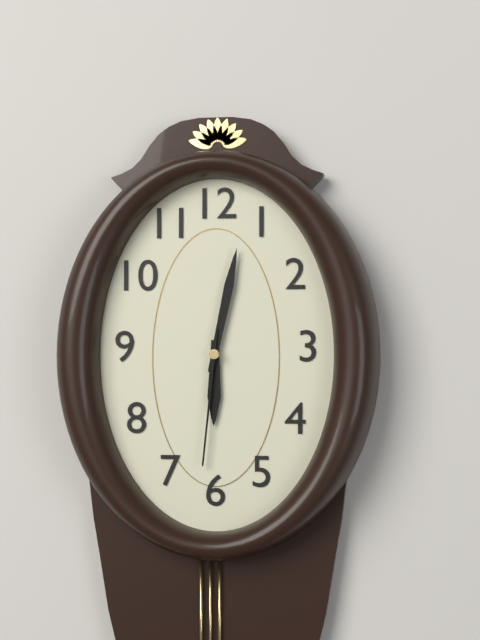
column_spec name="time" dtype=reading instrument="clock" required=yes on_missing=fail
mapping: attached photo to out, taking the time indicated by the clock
6:02:31
